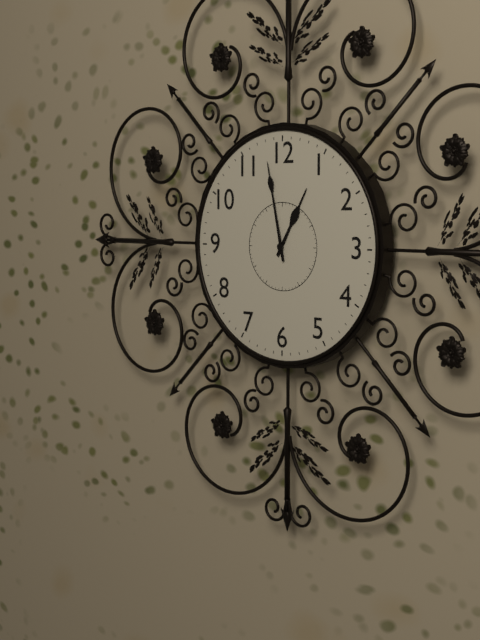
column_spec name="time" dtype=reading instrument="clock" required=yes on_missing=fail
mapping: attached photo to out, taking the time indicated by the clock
12:58
